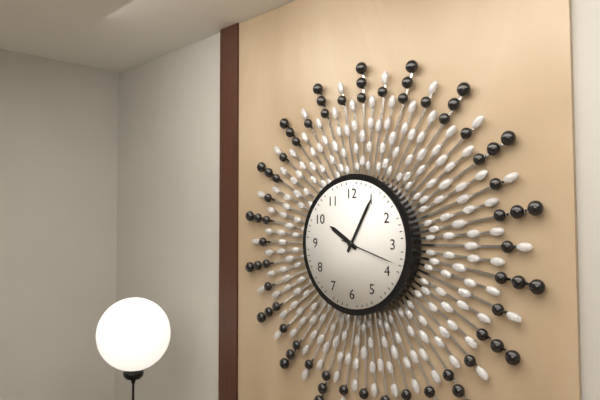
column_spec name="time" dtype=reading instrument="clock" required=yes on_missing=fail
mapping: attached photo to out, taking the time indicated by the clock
10:05:18
